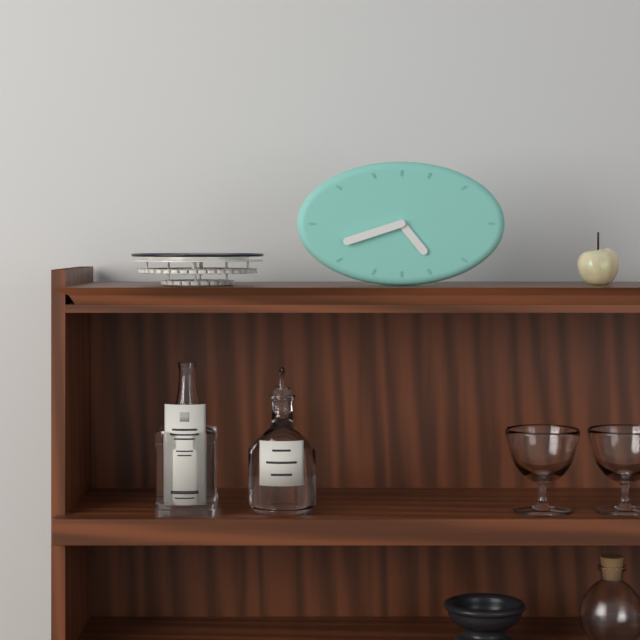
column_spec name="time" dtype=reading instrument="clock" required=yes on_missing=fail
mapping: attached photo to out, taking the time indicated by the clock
4:42
